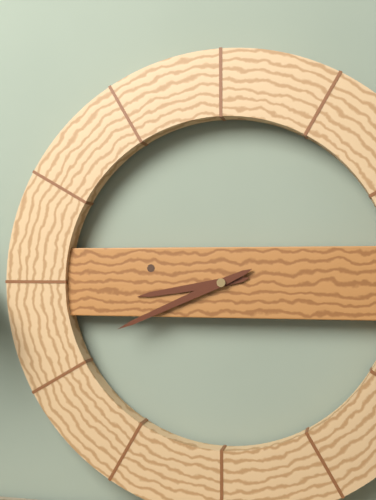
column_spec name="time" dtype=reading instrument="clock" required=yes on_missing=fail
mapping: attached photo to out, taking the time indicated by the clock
8:41
